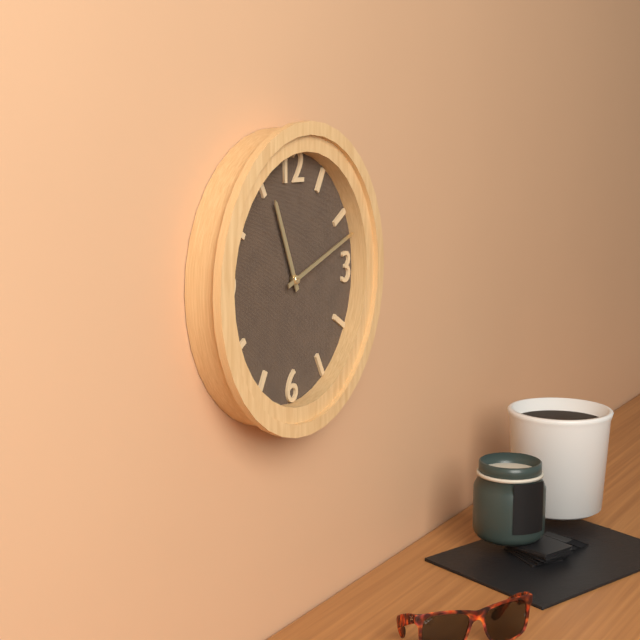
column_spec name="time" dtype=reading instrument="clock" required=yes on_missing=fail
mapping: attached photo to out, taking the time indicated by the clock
11:12
